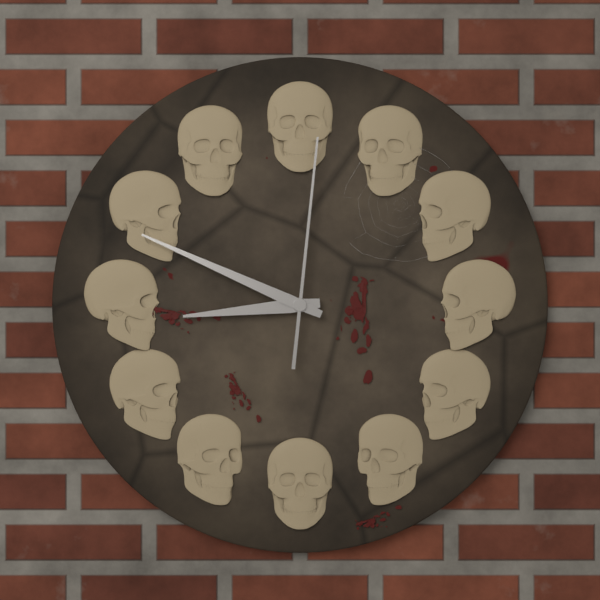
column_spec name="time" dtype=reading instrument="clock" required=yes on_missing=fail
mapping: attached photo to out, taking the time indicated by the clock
8:49:01
